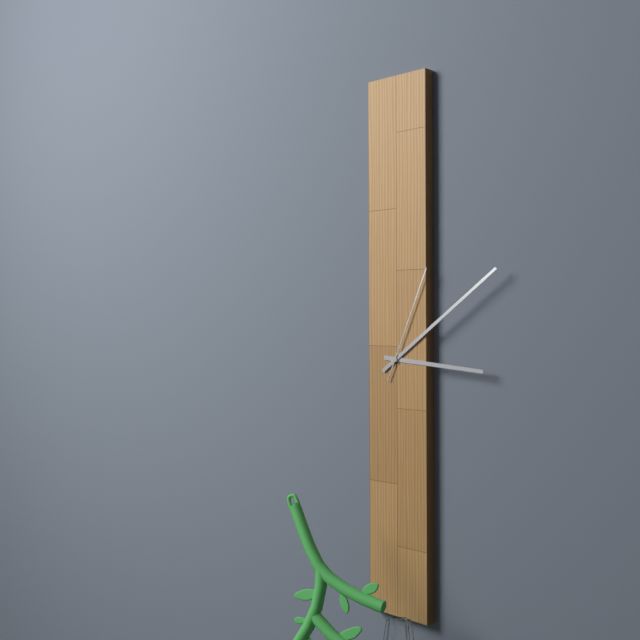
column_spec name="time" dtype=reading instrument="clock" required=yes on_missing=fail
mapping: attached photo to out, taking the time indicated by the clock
3:09:04
